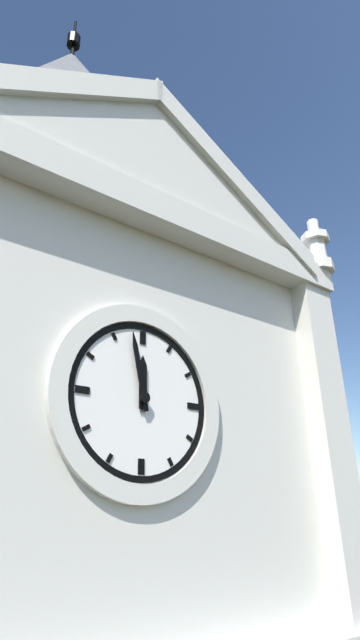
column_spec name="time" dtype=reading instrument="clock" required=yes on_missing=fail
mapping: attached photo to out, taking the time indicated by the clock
11:58
